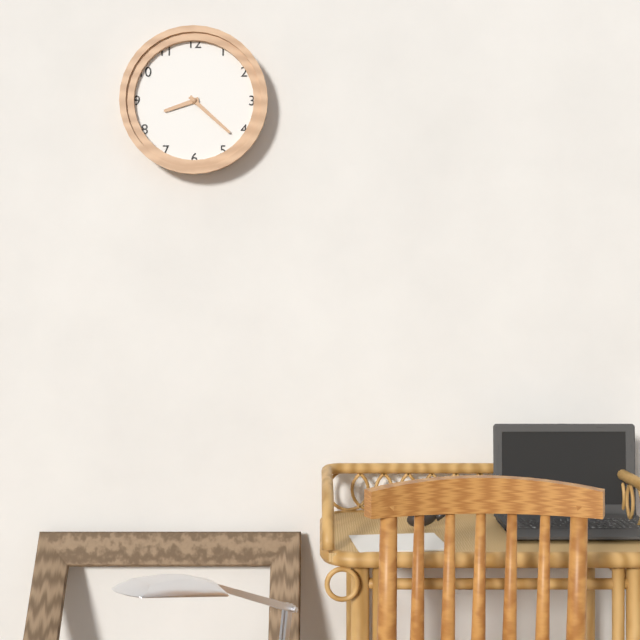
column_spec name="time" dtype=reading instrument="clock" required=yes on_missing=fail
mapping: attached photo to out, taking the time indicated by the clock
8:22
